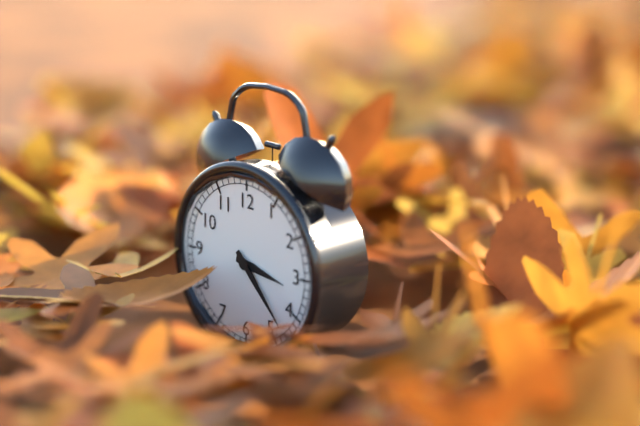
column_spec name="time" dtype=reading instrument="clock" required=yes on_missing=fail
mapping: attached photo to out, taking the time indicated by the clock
3:23
